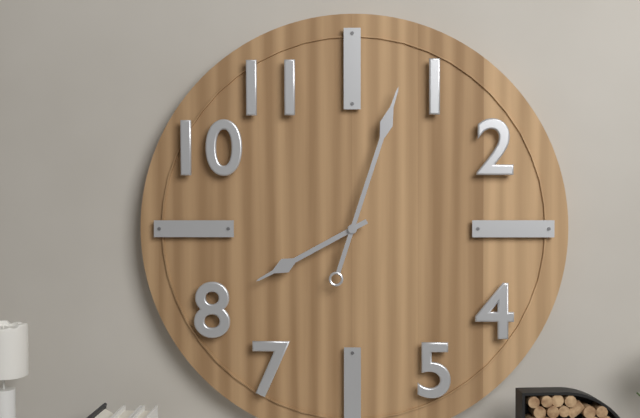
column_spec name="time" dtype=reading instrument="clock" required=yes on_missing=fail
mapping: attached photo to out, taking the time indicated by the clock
8:03
